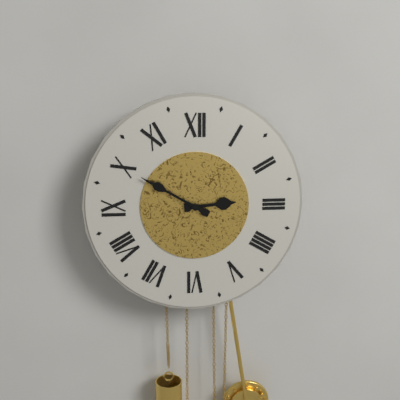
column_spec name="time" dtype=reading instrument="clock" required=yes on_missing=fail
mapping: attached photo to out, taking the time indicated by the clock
2:50
